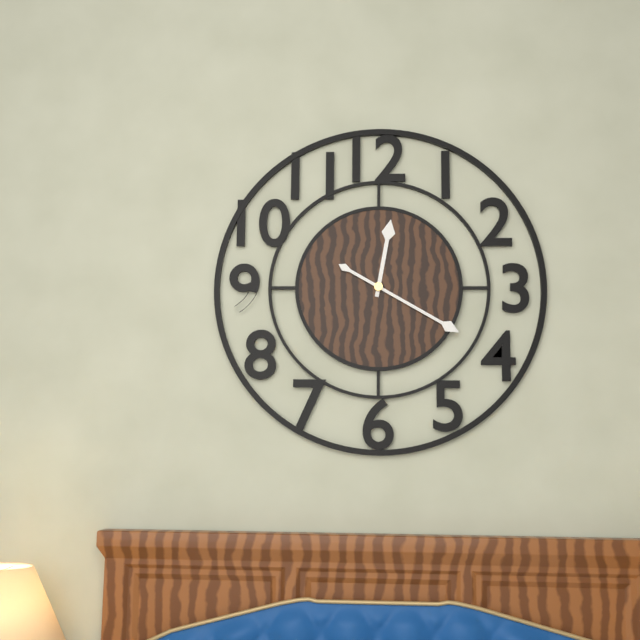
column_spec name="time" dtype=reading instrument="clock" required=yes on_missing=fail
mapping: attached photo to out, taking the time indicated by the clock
12:20
